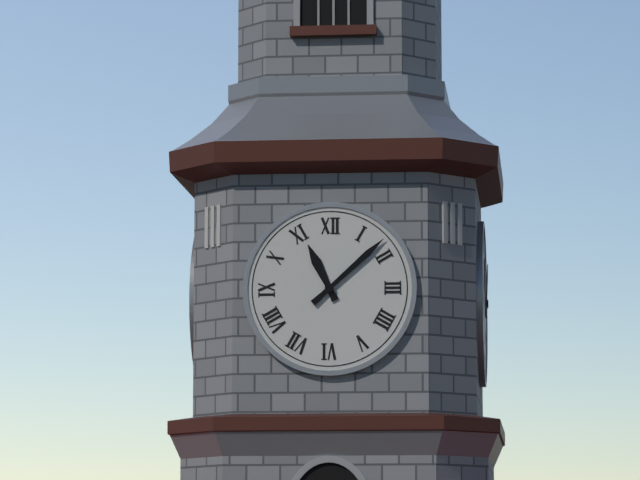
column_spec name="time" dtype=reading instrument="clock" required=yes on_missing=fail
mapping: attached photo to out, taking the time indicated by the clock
11:08
